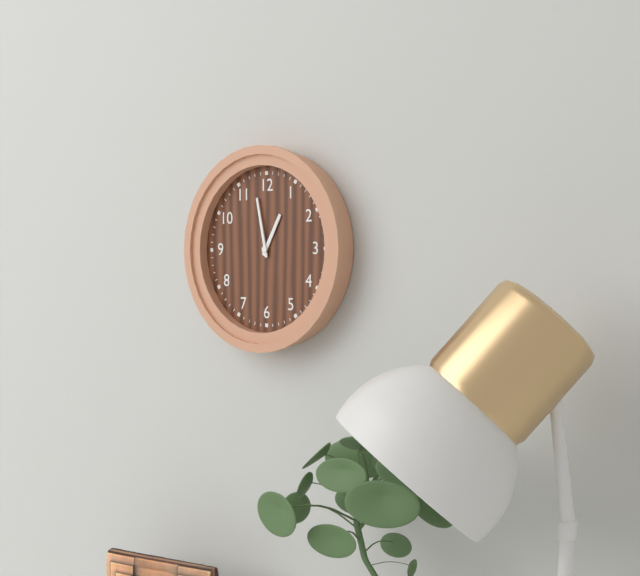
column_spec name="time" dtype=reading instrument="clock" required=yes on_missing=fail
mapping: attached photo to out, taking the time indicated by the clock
12:58
